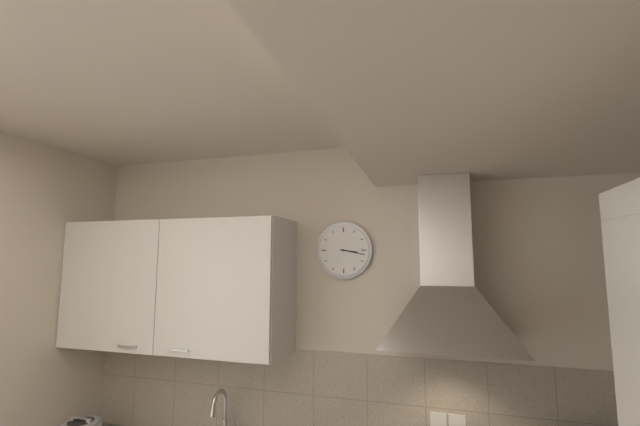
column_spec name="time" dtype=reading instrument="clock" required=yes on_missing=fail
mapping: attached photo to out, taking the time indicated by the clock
3:17
